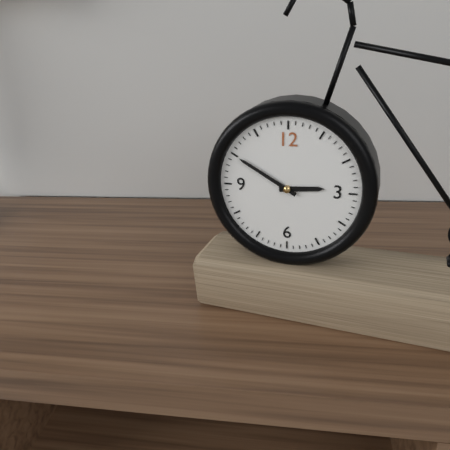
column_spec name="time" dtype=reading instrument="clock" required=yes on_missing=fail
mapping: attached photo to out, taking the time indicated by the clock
2:50
